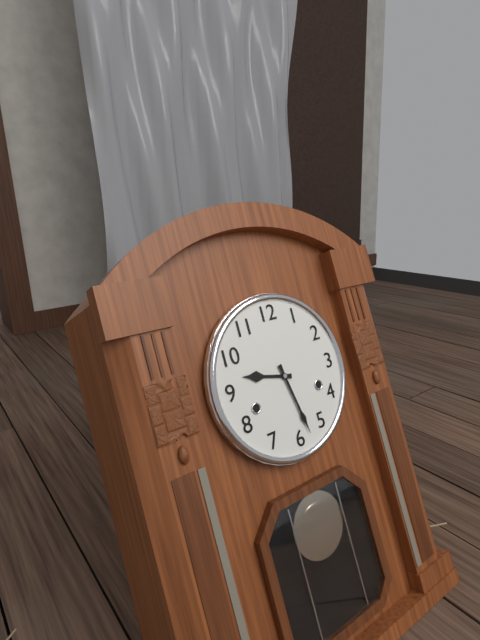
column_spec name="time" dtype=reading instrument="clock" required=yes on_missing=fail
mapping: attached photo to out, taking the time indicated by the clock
9:28
